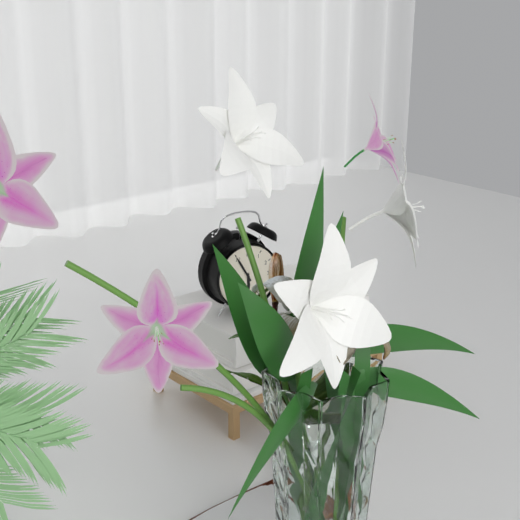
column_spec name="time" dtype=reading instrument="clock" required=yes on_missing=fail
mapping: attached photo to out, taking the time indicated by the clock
5:55
